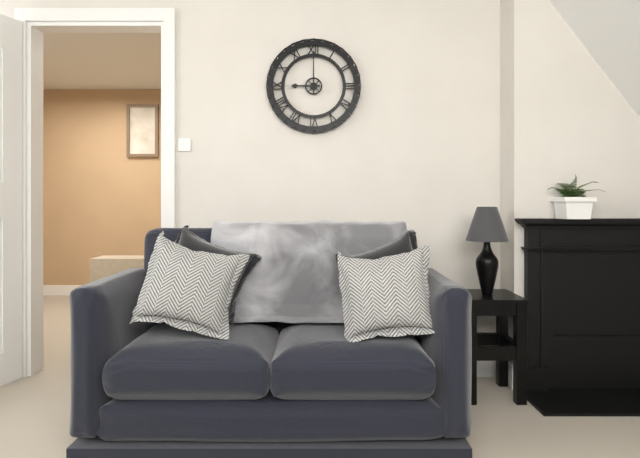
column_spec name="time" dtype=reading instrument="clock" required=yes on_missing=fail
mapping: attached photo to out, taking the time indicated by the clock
9:00
